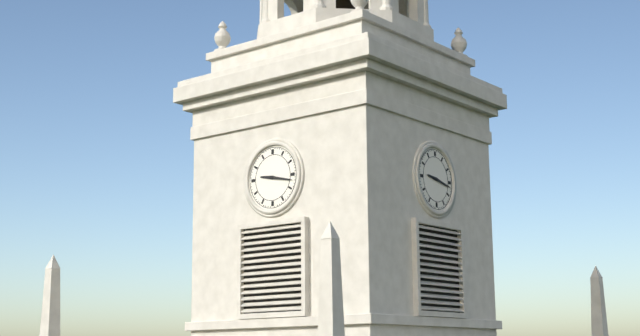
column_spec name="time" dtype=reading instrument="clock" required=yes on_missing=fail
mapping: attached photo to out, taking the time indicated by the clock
9:17
